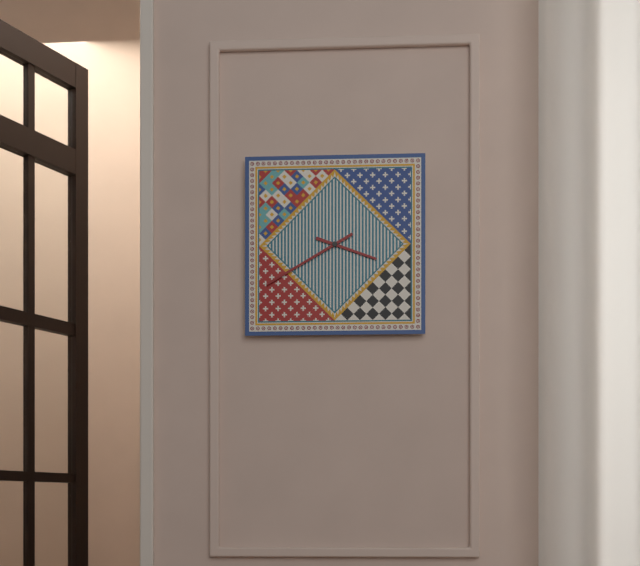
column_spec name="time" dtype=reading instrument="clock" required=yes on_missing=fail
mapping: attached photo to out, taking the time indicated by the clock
3:40
